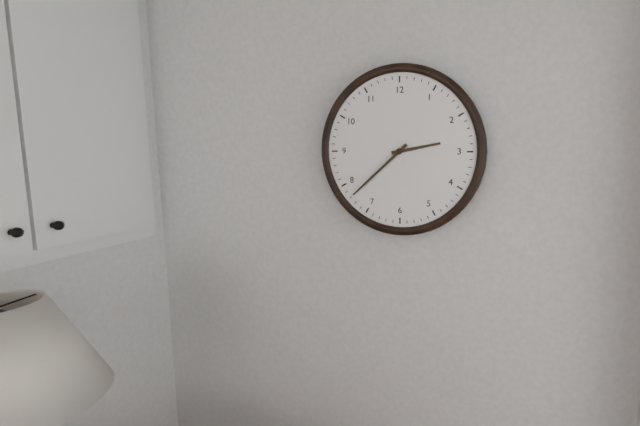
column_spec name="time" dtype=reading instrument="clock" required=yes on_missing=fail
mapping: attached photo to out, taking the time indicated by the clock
2:38
